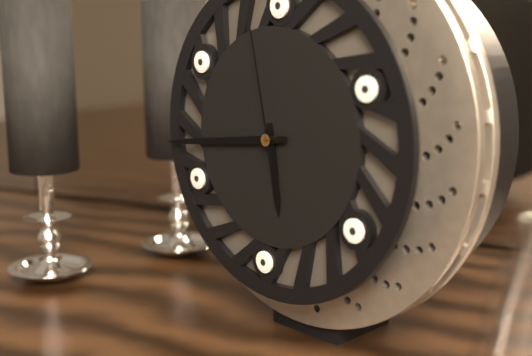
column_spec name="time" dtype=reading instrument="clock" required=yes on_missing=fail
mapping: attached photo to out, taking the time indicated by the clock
5:44:58
